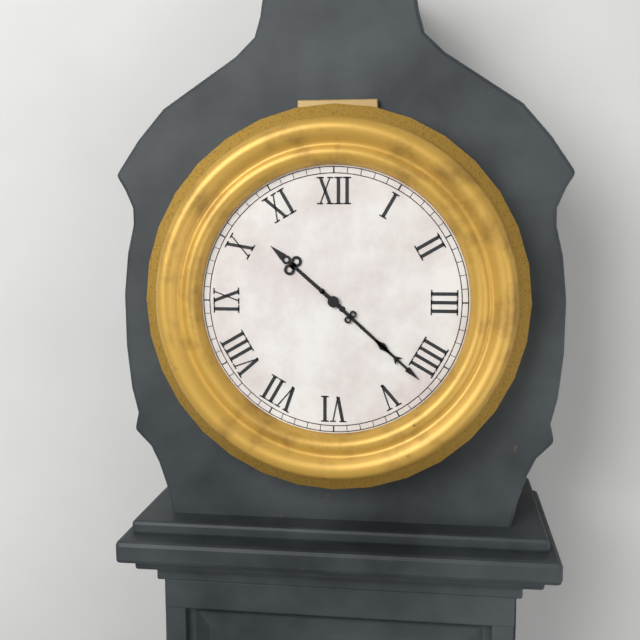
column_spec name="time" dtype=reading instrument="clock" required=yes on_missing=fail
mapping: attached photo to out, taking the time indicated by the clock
10:22
